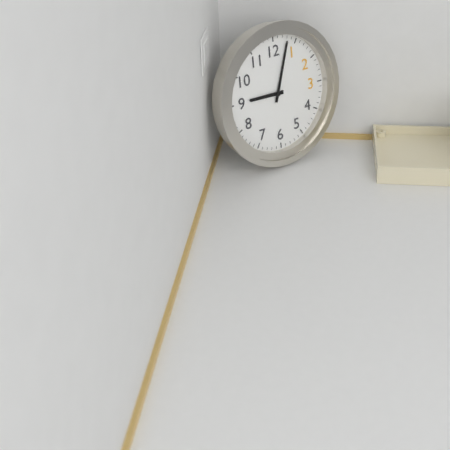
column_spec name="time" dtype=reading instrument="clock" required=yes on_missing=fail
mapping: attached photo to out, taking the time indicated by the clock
9:03
